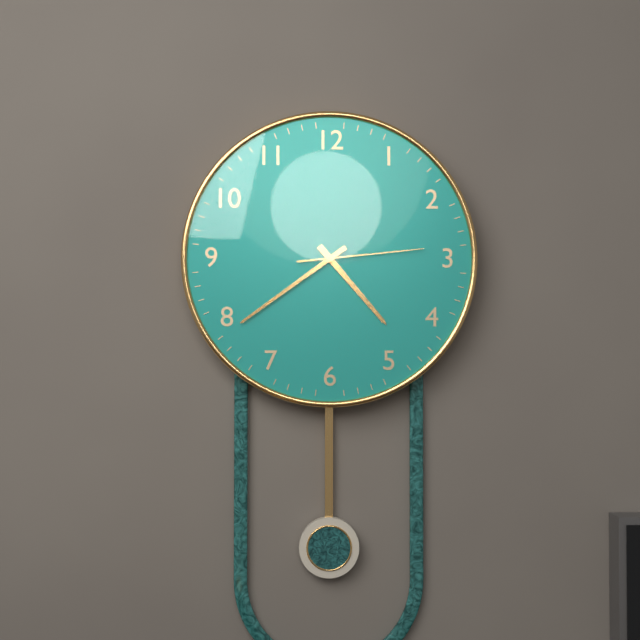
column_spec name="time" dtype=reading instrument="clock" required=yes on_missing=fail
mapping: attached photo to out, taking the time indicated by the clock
4:39:14
